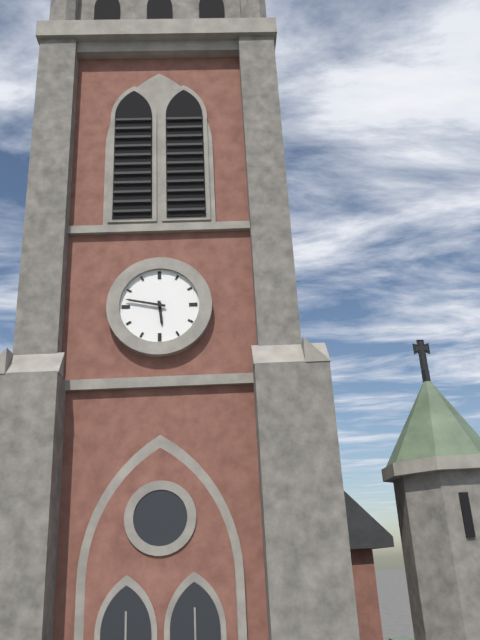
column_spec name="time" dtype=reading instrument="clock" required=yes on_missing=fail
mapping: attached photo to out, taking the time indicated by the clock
5:47
